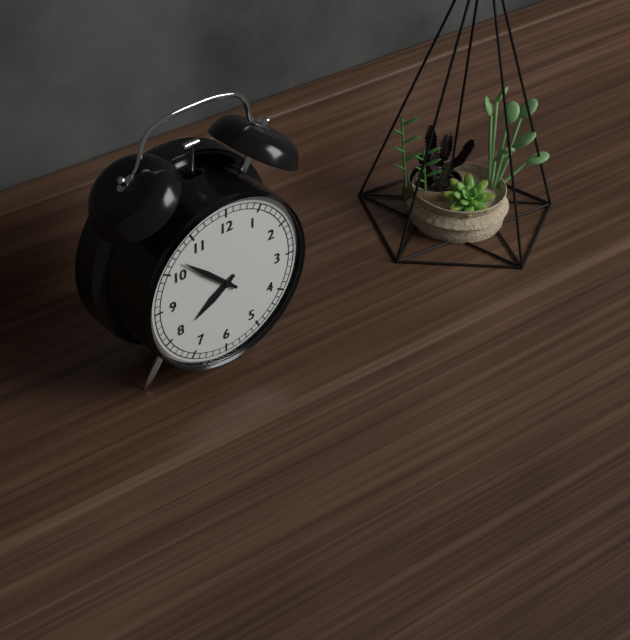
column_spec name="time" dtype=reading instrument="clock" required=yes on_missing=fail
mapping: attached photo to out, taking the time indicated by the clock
7:52
